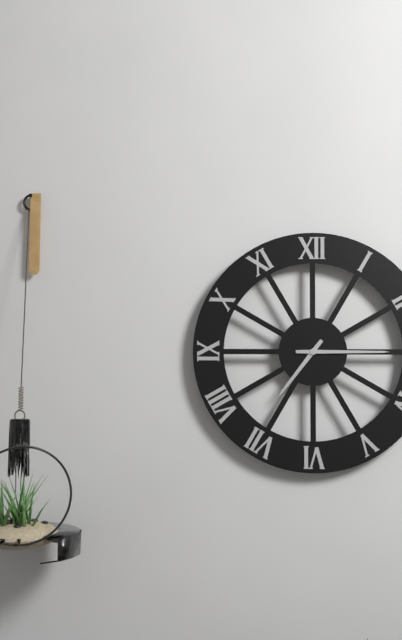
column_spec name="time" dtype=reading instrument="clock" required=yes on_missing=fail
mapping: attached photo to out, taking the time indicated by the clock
7:15
